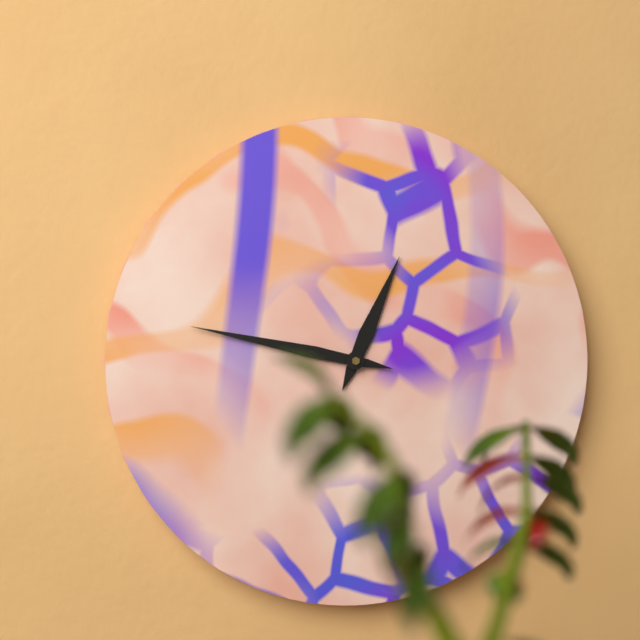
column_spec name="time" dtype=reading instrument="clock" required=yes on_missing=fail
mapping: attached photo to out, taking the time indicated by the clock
12:47
